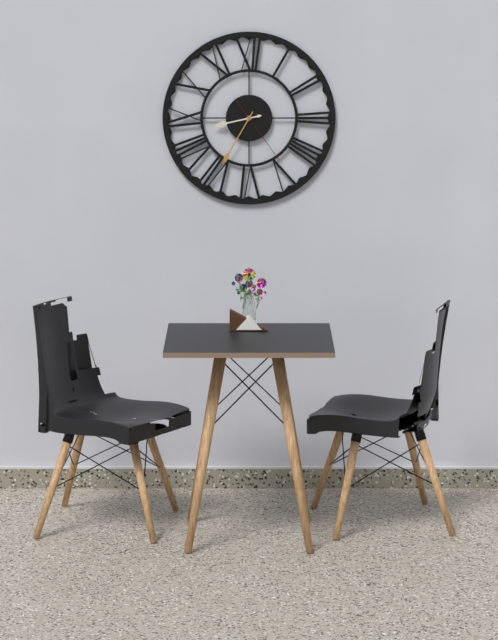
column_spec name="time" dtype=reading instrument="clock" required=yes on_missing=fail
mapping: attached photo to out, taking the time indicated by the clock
8:35:24
